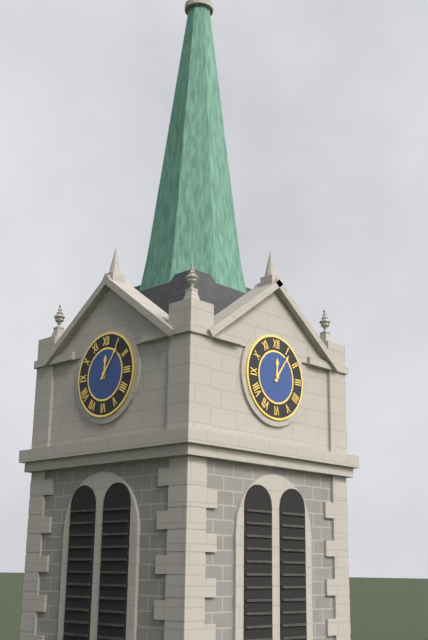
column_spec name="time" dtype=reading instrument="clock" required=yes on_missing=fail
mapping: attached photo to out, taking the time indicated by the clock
12:06
